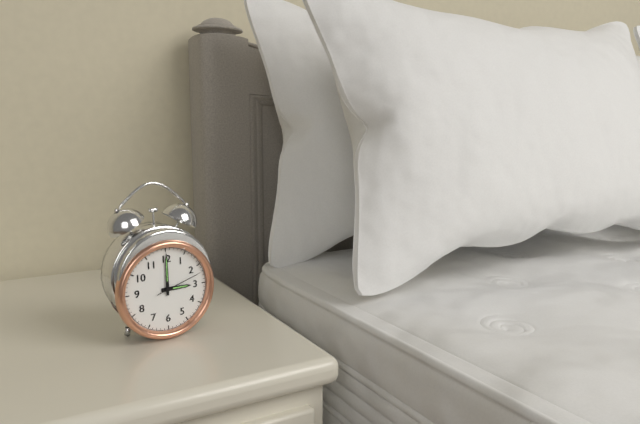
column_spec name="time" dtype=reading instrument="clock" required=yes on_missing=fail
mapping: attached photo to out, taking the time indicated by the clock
3:00
